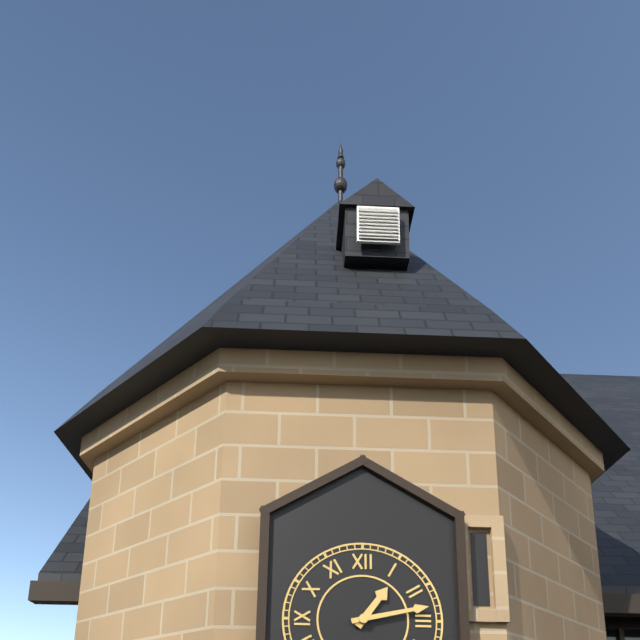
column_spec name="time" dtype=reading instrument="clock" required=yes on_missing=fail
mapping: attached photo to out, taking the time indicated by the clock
1:13
